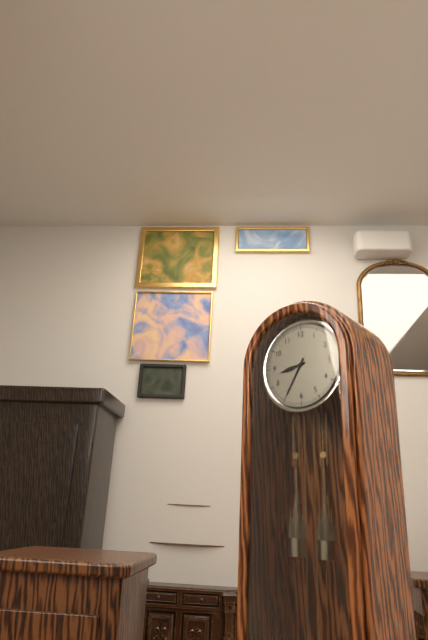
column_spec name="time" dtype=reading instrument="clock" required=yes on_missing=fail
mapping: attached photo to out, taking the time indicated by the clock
8:35
